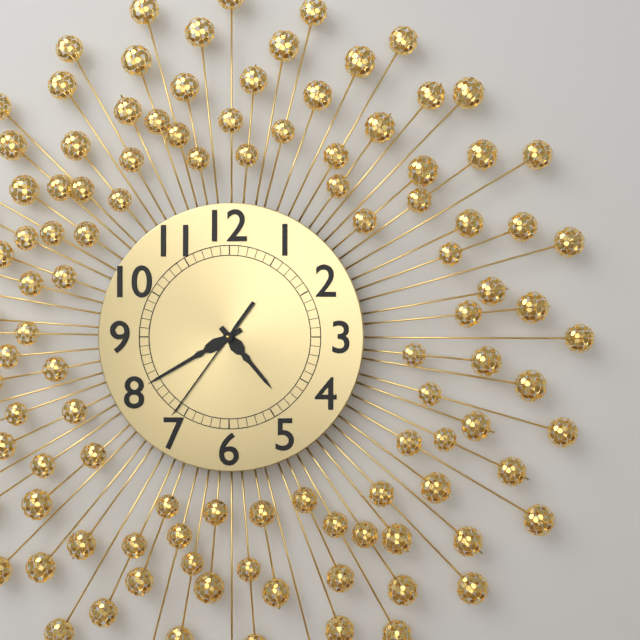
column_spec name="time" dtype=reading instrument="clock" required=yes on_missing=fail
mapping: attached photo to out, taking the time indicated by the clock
4:40:36
